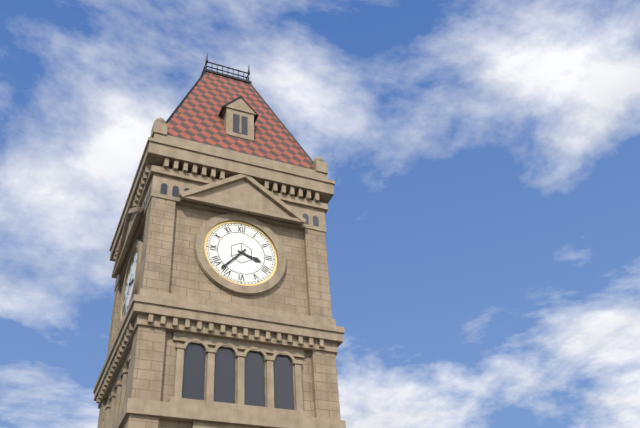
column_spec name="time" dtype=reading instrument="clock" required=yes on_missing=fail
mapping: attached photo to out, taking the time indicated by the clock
3:37
